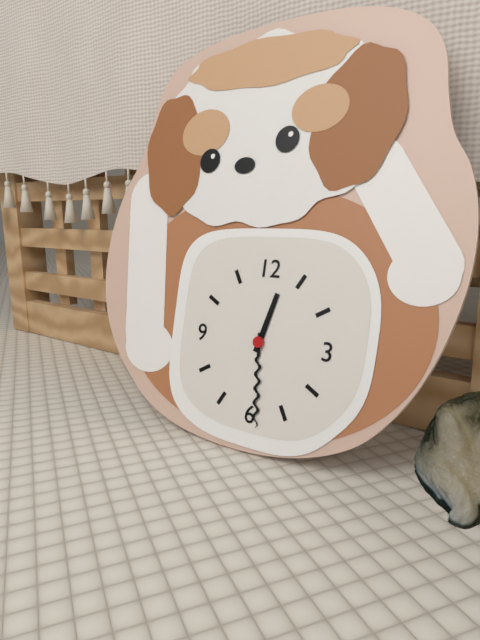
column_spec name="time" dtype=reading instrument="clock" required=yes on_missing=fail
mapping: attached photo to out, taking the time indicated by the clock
12:29
